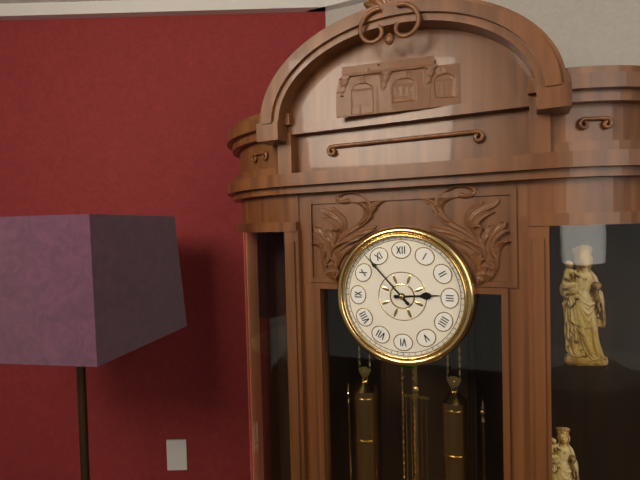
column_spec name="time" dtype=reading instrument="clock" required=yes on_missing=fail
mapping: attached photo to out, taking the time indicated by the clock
2:53
